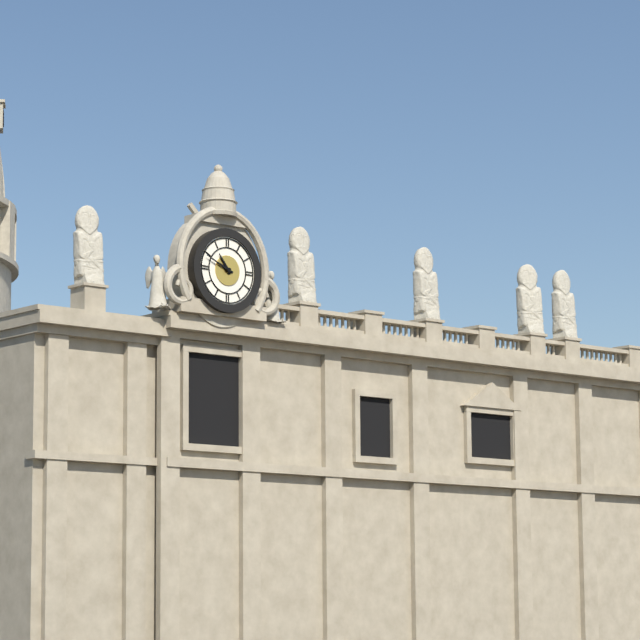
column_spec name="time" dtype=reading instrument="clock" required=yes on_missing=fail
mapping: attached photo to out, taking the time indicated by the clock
10:49
